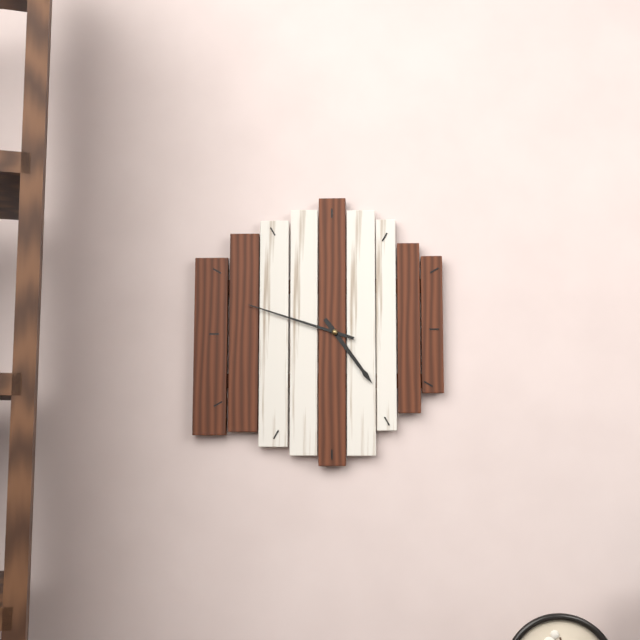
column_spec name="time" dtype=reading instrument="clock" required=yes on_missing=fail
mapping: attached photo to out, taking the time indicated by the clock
4:48
